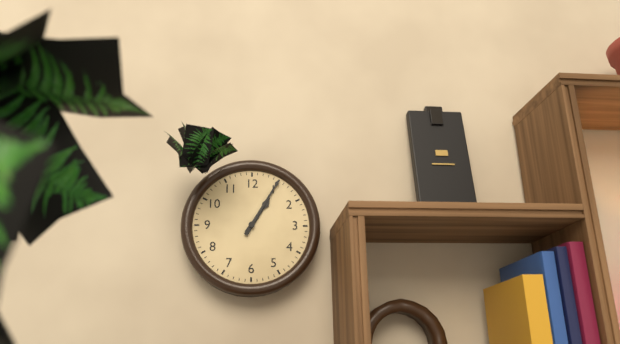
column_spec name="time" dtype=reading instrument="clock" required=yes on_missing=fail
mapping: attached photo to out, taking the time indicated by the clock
1:05
